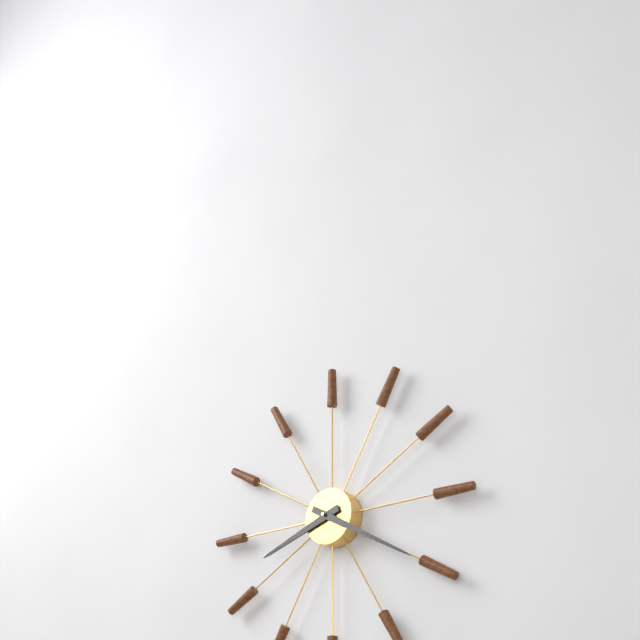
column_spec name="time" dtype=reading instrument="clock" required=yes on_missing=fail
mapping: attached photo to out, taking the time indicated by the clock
8:20
